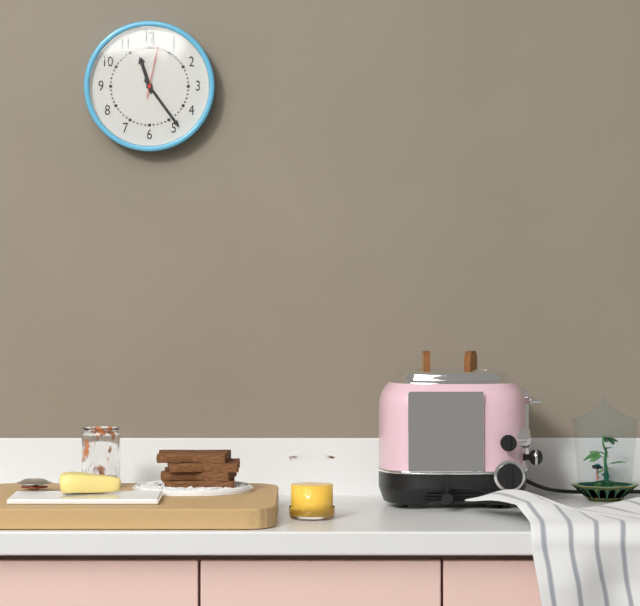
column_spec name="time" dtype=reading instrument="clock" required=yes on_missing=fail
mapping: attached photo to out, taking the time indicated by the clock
11:24:02
